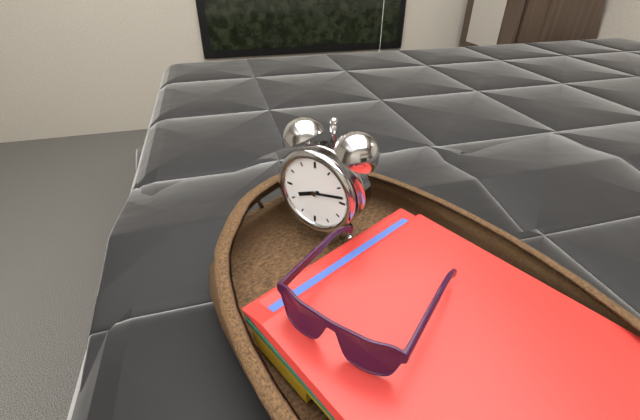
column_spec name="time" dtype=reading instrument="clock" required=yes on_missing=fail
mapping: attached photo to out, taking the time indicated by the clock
8:13
